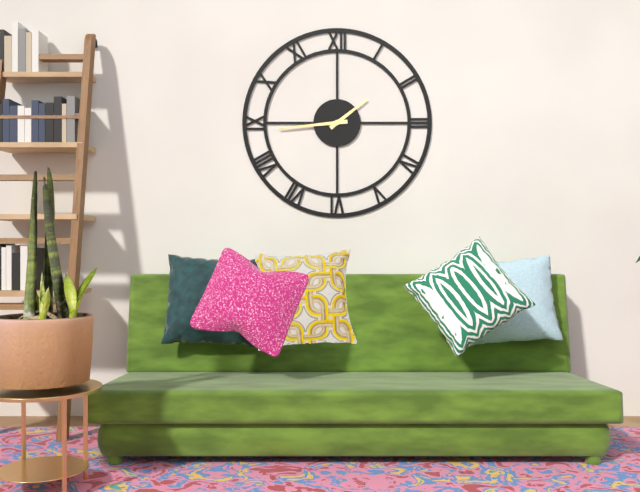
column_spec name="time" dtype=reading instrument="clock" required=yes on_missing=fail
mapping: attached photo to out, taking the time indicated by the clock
1:44
